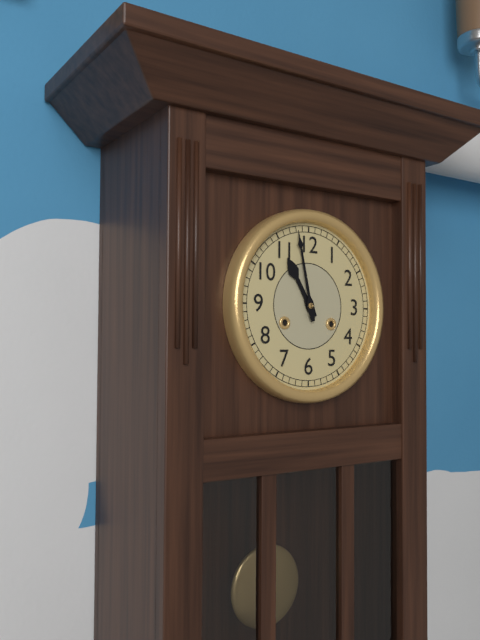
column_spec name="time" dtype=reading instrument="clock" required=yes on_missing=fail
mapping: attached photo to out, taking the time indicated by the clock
10:58
